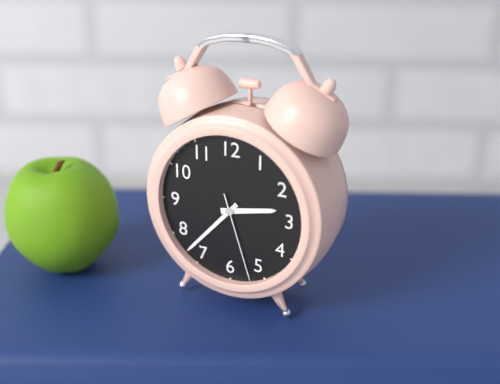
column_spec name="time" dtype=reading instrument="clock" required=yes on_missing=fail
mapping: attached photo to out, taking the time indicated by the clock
2:37:27
